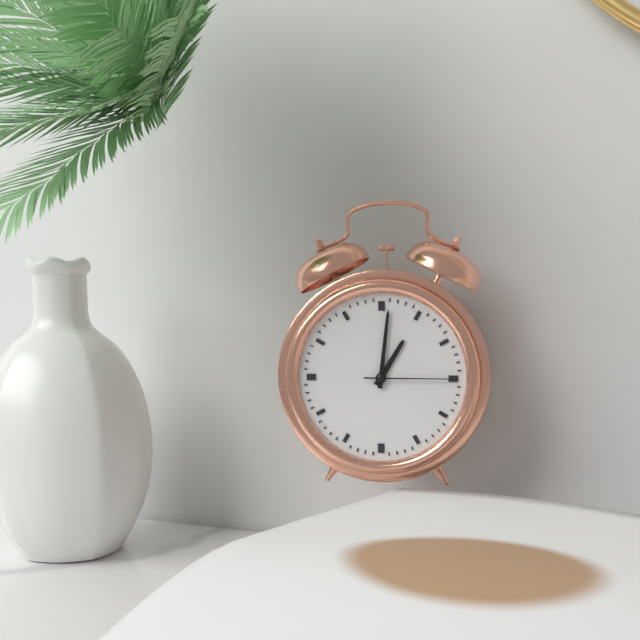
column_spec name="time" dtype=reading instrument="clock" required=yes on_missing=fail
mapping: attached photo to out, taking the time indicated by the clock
1:01:15
